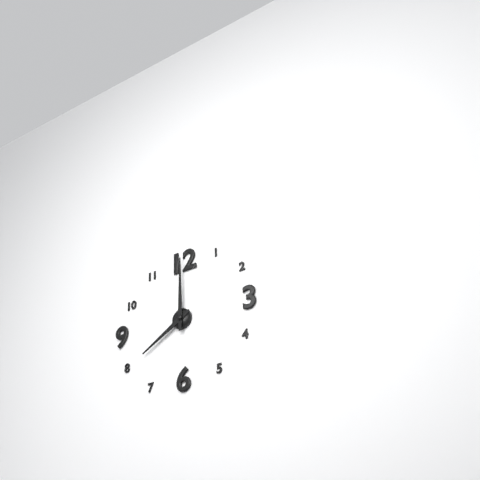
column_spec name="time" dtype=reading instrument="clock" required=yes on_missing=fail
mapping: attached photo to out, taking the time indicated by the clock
8:00
